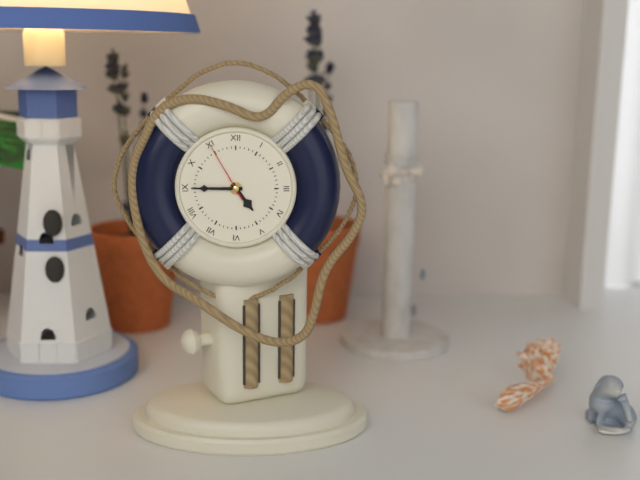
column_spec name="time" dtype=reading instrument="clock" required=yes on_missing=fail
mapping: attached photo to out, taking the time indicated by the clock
4:45:55
